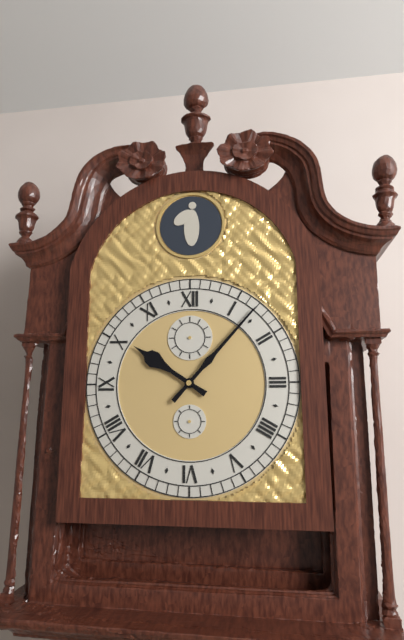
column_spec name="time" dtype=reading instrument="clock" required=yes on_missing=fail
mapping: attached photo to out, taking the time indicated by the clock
10:07
